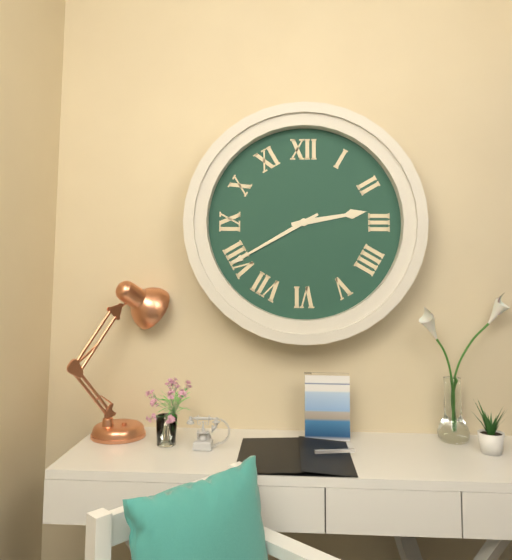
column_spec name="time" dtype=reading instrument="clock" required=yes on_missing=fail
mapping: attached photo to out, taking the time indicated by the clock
2:40
